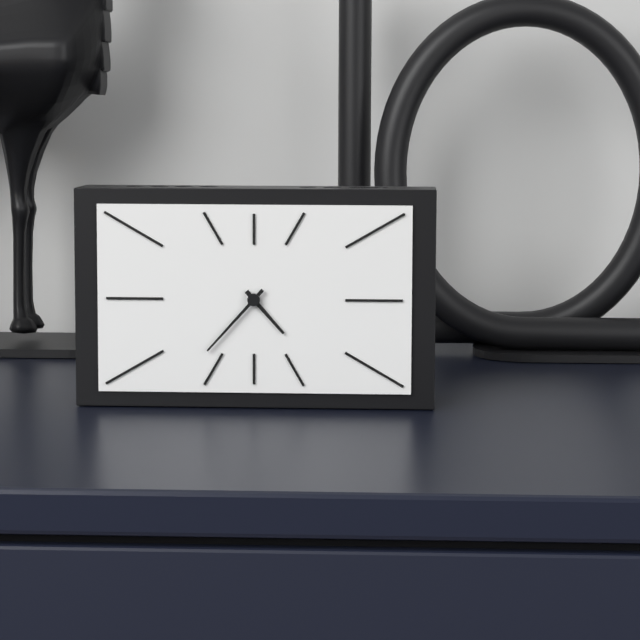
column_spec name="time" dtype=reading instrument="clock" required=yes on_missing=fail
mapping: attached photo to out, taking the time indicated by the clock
4:37
